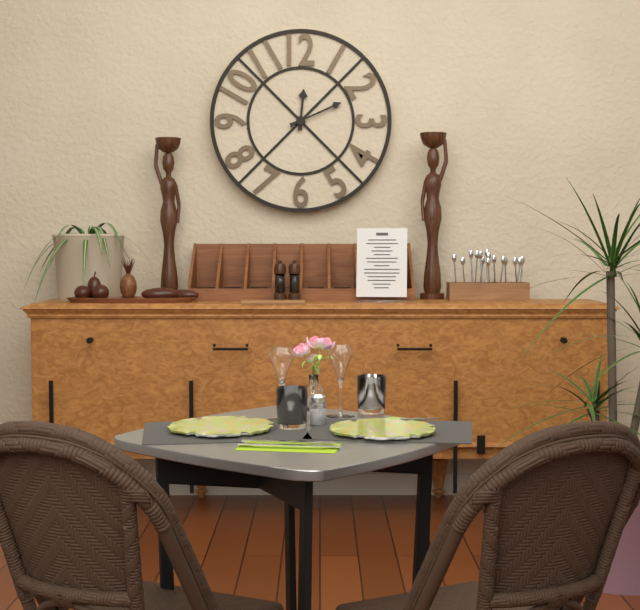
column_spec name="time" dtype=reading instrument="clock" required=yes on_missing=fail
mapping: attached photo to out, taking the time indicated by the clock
12:11
